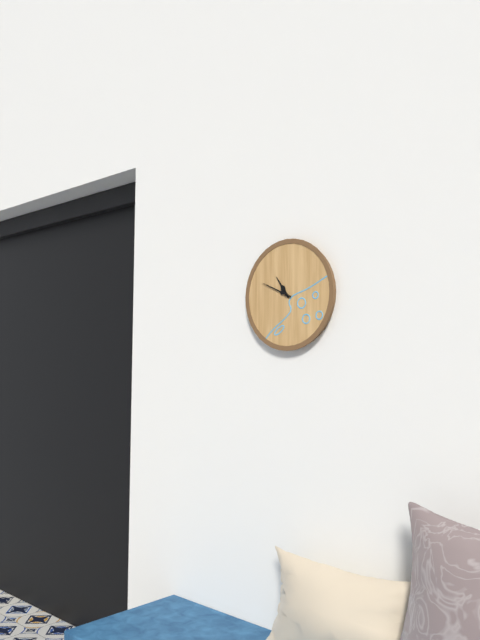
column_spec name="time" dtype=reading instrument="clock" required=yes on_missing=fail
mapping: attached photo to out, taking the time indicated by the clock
10:49
